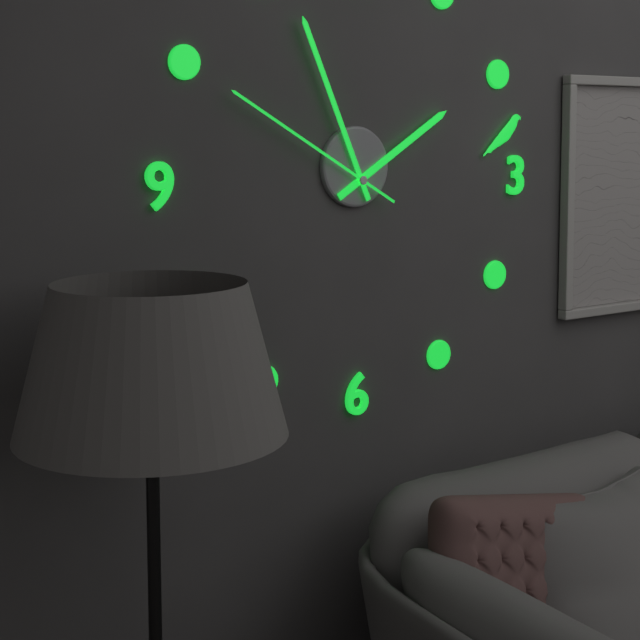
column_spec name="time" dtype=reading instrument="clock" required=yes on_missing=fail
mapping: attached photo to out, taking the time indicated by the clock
1:56:50
